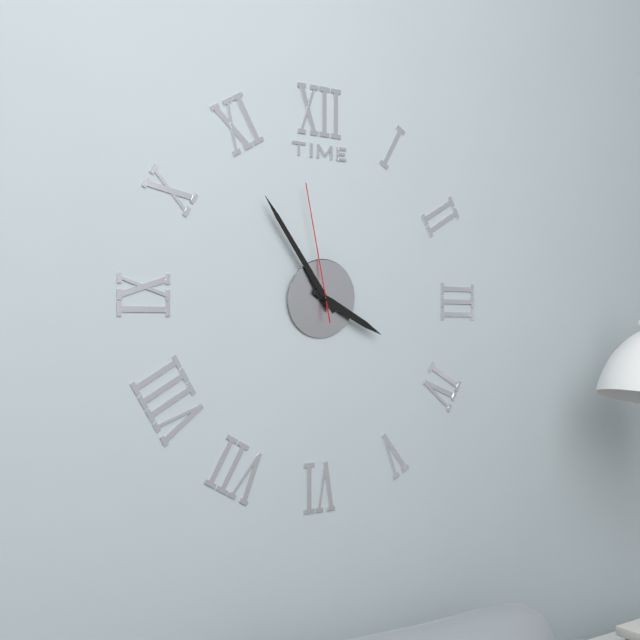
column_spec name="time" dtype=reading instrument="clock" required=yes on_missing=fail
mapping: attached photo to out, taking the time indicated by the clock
3:54:58
